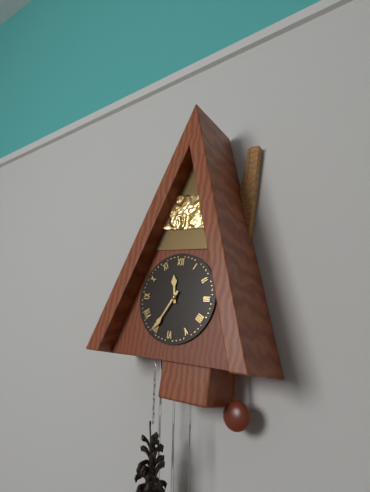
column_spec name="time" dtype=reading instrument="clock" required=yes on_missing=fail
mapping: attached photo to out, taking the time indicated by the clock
11:35
